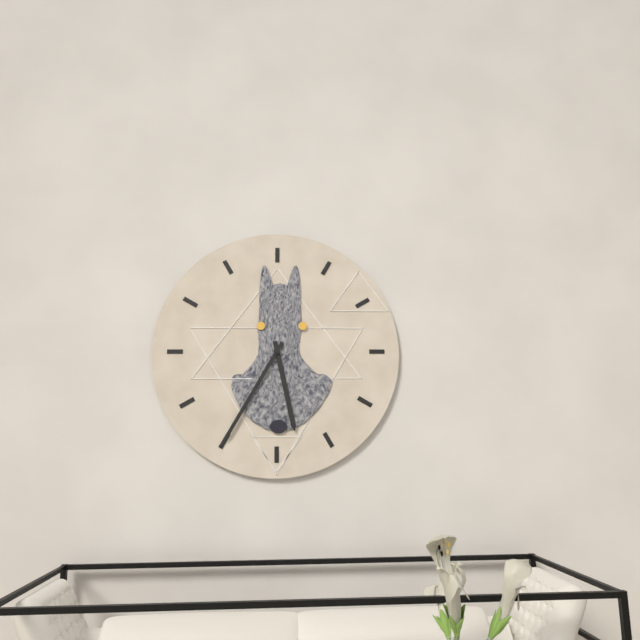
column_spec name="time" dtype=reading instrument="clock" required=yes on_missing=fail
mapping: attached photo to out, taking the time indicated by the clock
5:35
